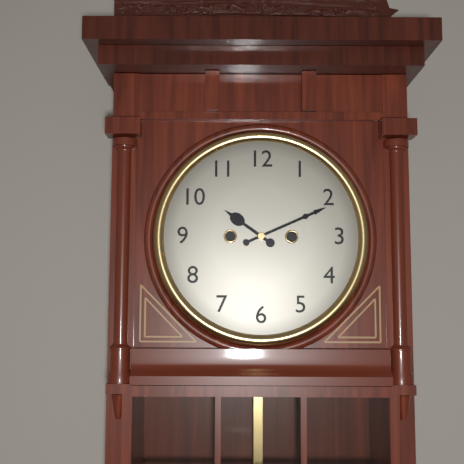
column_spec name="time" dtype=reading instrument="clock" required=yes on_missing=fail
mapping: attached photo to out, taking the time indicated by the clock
10:11
